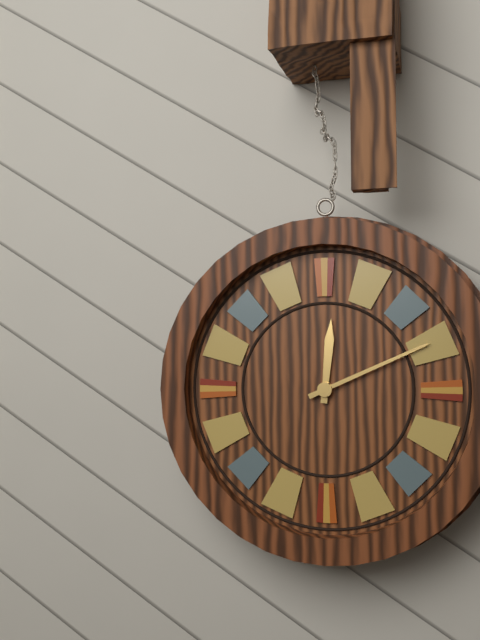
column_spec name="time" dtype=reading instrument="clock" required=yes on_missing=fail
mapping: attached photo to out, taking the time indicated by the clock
12:11
